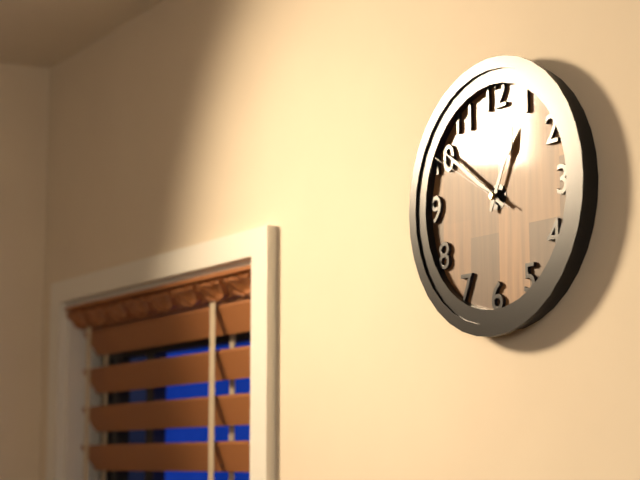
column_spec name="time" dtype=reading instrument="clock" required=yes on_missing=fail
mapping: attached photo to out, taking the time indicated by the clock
12:51:50
